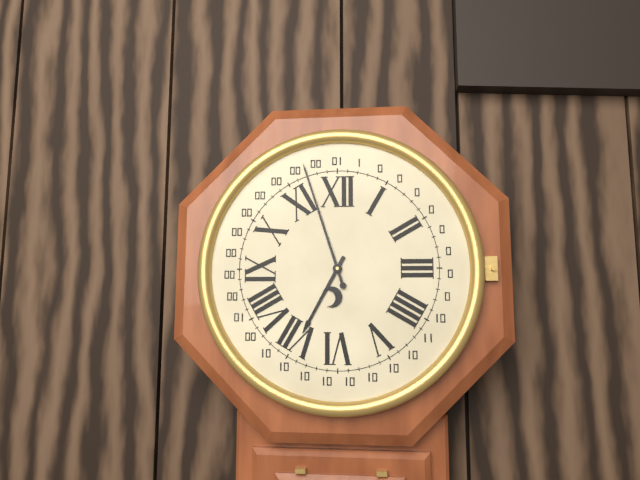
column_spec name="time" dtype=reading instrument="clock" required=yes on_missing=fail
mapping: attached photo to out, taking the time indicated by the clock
6:57
